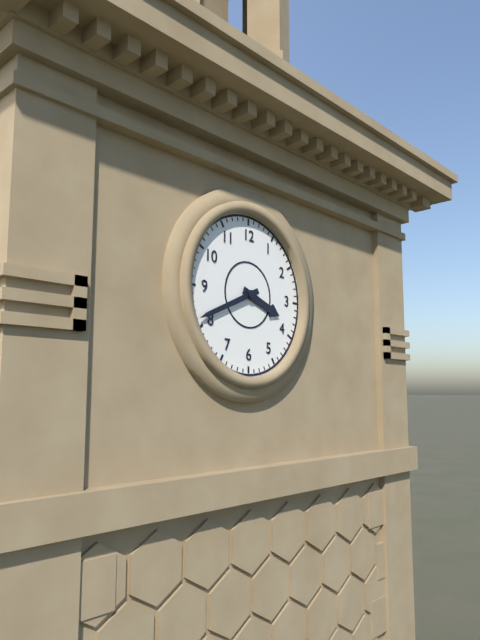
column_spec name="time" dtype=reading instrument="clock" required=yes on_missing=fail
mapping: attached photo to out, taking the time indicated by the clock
3:41
